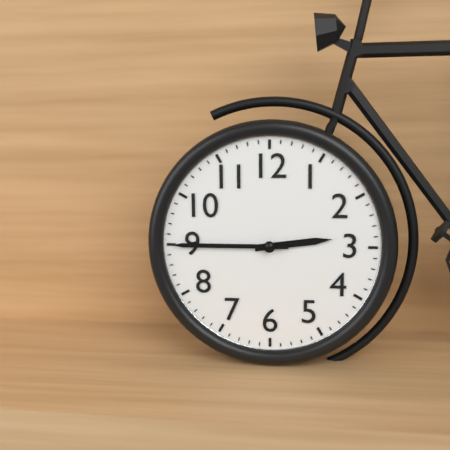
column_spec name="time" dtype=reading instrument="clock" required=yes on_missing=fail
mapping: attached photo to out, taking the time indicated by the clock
2:45
